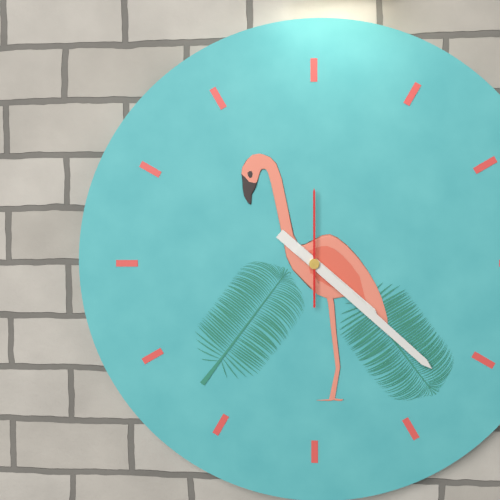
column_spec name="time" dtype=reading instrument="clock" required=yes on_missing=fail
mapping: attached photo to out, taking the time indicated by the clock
4:22:00
